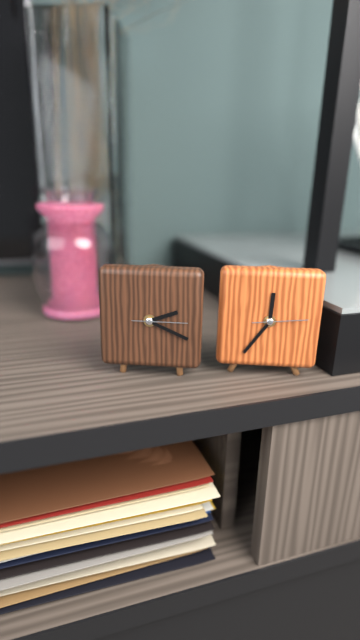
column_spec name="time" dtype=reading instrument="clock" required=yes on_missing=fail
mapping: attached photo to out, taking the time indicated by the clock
2:19
